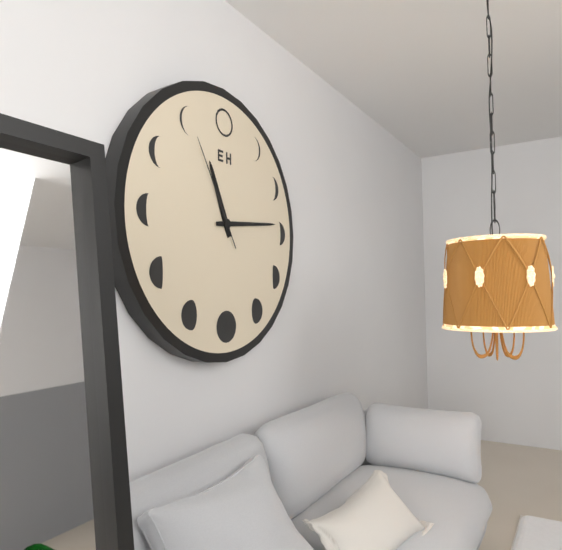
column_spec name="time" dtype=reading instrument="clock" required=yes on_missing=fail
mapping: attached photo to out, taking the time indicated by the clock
11:14:55
